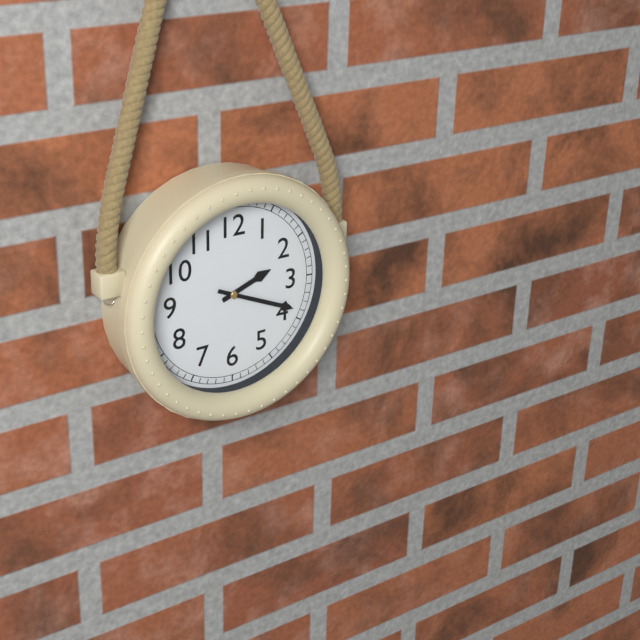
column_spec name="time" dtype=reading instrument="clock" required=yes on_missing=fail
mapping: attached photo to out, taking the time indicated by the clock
2:19
